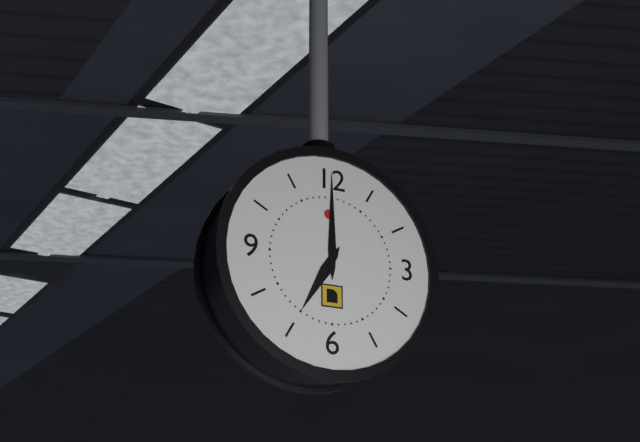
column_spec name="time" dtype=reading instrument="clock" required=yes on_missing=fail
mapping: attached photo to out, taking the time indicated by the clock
7:00
